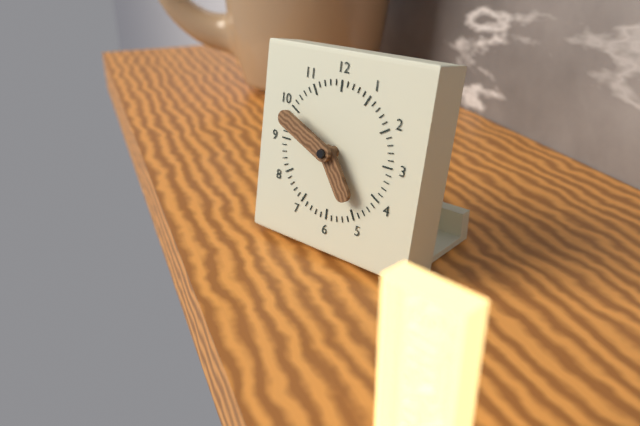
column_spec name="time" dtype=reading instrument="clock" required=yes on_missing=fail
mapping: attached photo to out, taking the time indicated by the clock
4:49
